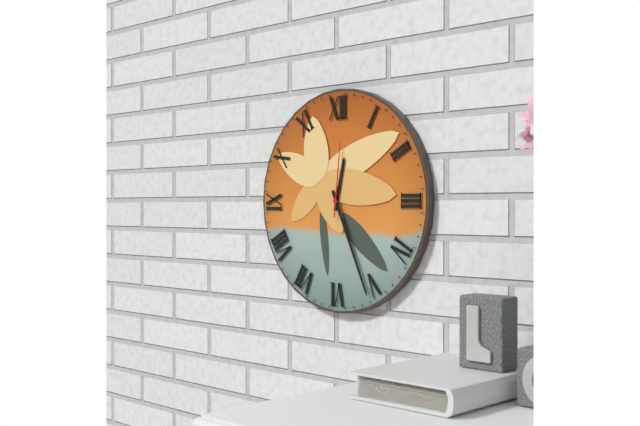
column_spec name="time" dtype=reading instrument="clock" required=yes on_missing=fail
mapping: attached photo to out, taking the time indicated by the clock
12:26:01
